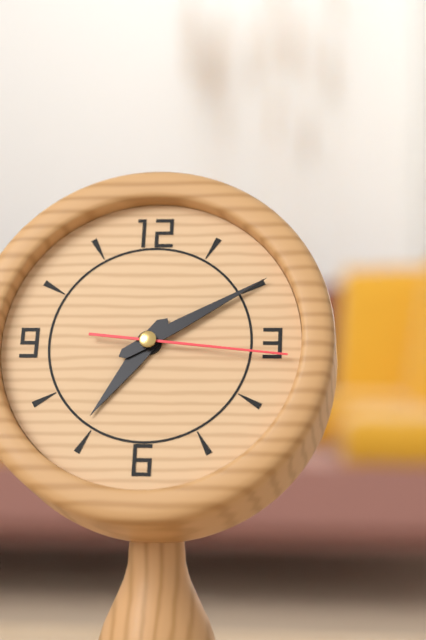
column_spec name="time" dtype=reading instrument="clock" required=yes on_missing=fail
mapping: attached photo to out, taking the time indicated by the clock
7:10:16
